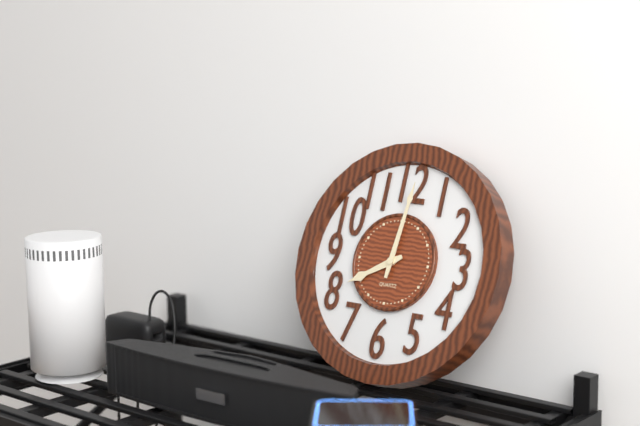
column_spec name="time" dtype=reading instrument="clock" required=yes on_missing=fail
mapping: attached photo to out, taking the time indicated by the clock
8:01
